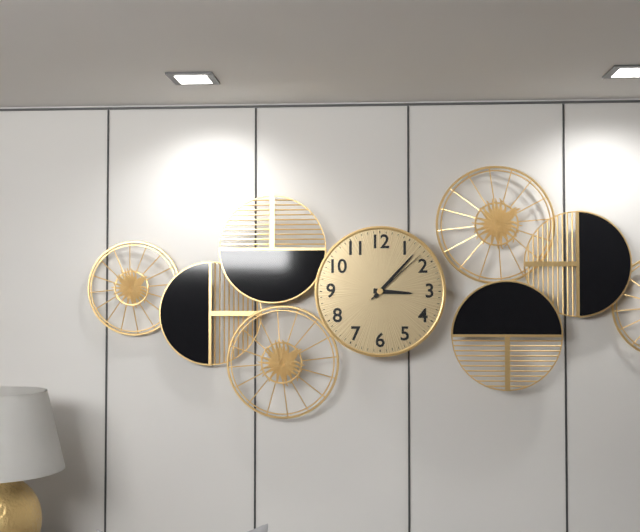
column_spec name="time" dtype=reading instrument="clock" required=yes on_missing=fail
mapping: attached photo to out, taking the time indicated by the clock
3:07:08
